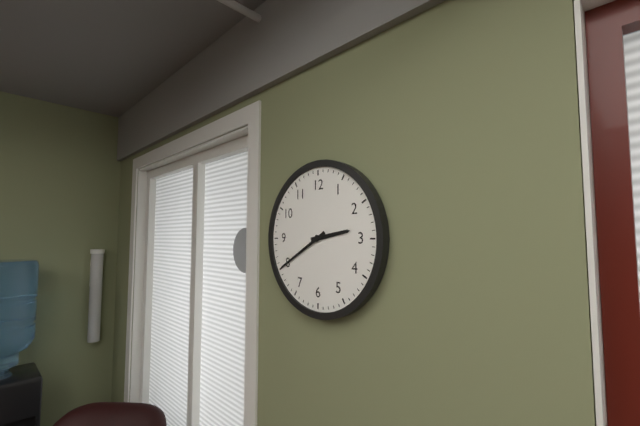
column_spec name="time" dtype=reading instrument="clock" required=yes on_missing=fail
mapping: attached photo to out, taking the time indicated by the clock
2:40
